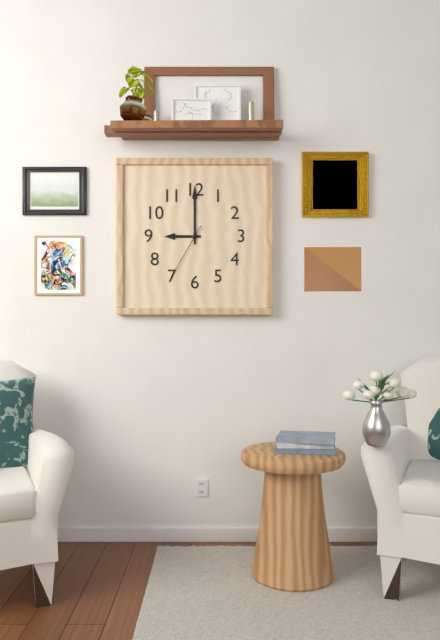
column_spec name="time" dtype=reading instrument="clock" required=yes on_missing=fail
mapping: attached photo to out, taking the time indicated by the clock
9:00:35
